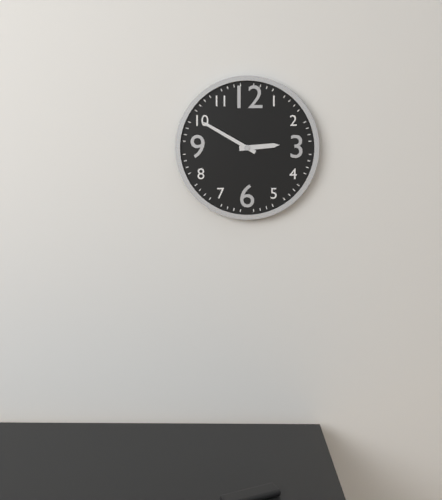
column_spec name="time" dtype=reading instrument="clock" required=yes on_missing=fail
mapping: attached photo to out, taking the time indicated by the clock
2:50
